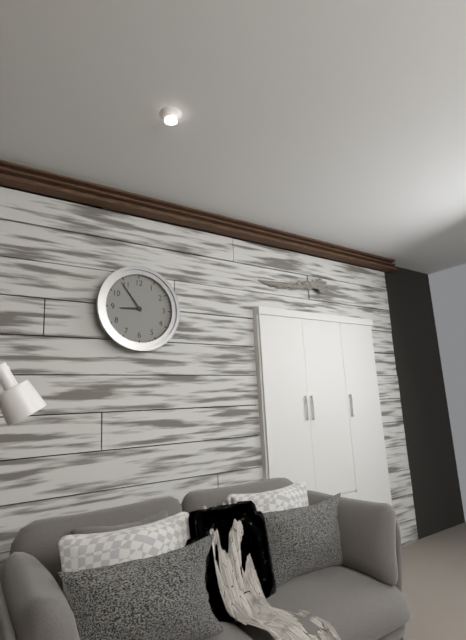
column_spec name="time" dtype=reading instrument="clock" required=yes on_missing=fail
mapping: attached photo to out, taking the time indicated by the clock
8:54
